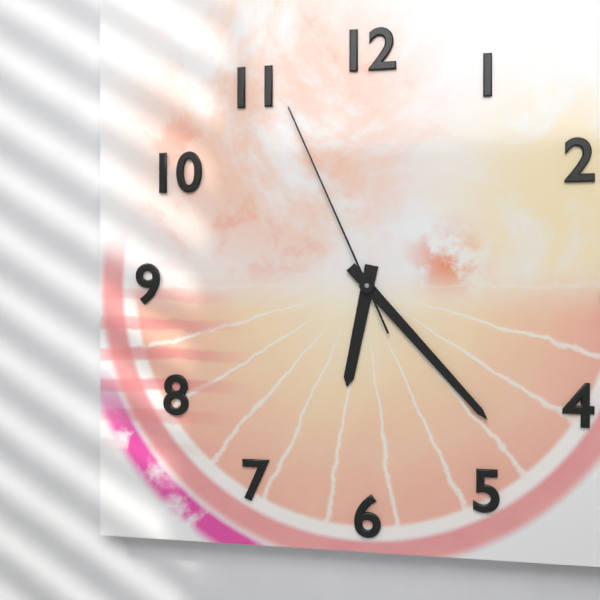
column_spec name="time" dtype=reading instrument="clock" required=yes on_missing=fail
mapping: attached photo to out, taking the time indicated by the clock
6:23:56
